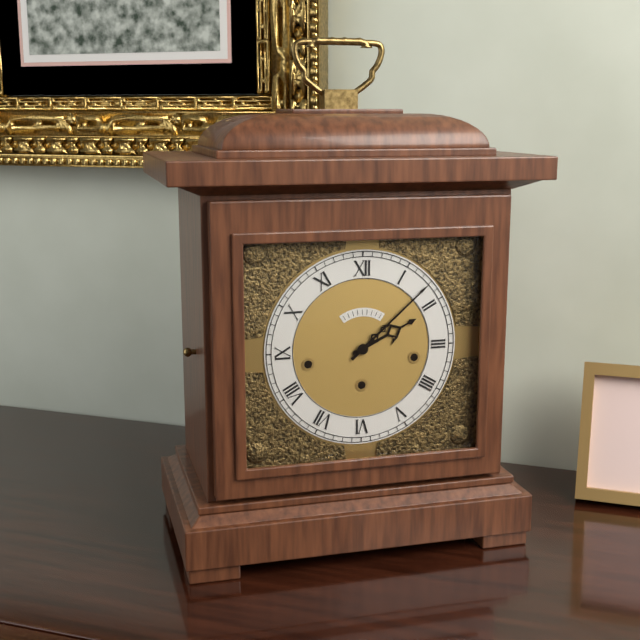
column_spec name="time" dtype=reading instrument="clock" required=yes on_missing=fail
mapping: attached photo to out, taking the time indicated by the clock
2:08
